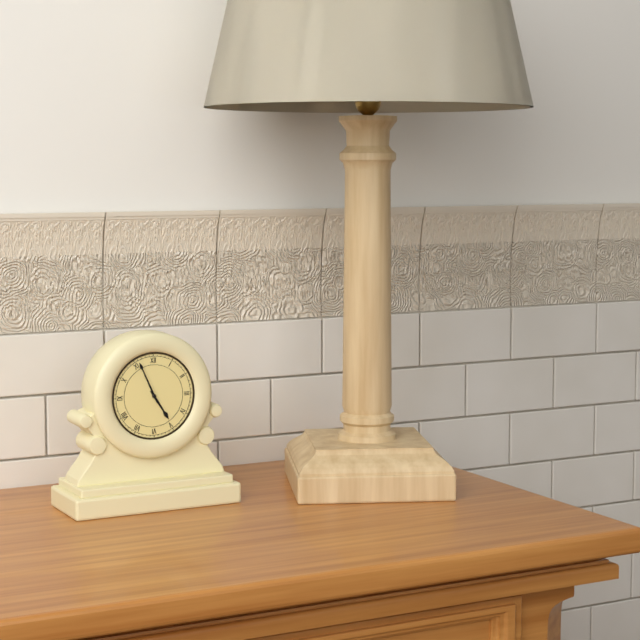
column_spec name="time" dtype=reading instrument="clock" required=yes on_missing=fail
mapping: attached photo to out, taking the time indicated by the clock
4:56
